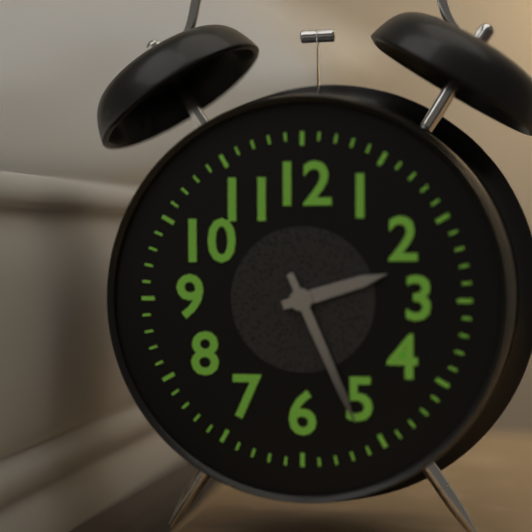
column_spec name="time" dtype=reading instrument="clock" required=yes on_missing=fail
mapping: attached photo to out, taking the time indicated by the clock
2:26
